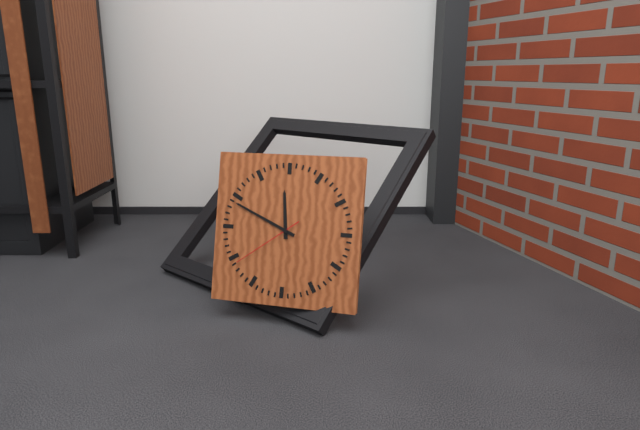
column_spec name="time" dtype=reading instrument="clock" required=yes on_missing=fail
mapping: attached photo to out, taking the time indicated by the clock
11:49:39
